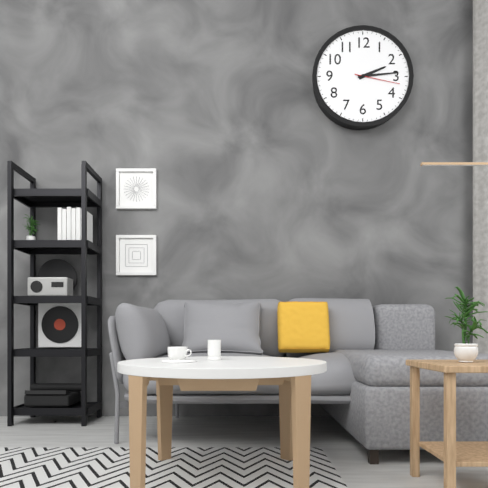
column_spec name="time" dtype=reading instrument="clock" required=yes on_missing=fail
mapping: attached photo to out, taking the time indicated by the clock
2:14
